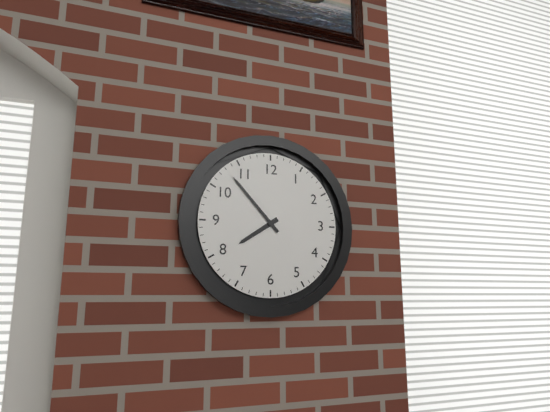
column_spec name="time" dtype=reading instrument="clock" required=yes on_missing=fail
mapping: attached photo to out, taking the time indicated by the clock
7:53
